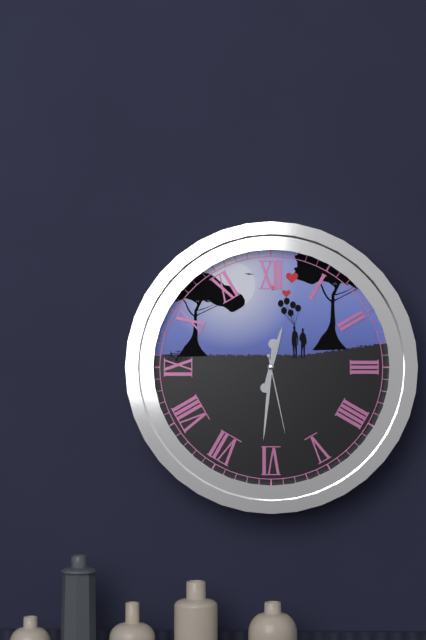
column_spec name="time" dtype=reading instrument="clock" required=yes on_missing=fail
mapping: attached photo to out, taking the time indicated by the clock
12:31:28
